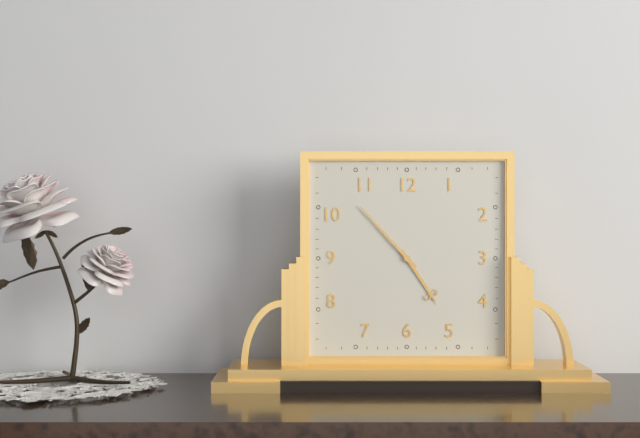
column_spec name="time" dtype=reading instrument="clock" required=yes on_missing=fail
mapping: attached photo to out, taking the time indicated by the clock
4:53
